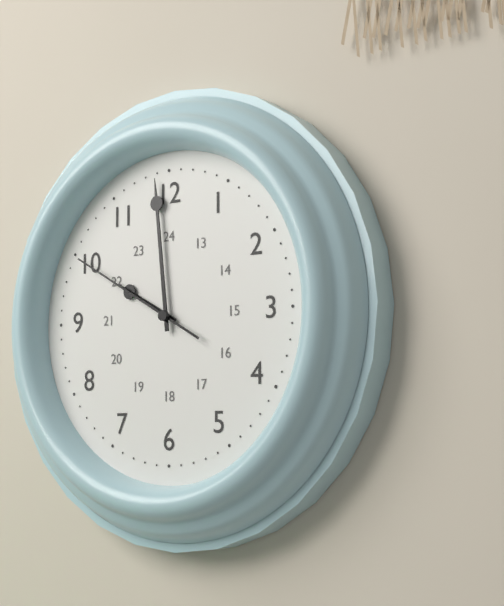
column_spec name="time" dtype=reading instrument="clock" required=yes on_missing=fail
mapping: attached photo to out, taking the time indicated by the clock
9:59:50
